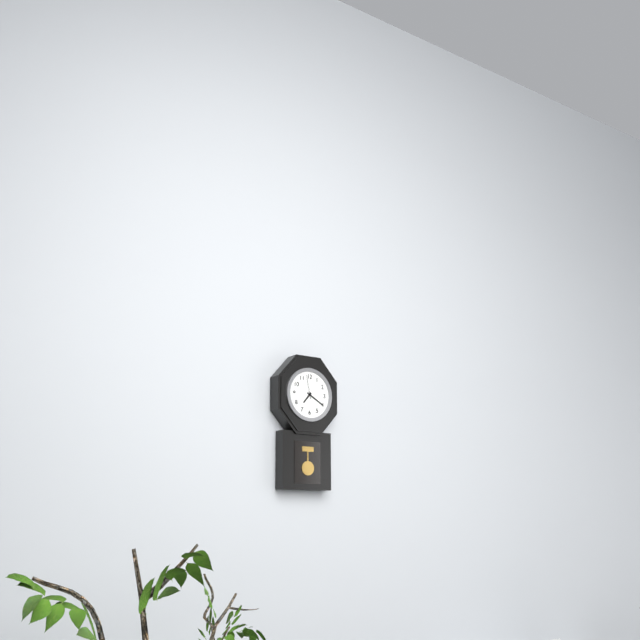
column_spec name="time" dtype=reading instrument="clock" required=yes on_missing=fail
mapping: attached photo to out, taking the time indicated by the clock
7:20
